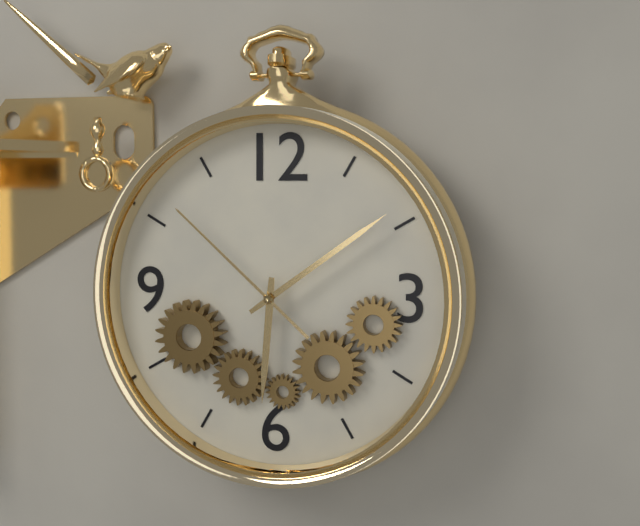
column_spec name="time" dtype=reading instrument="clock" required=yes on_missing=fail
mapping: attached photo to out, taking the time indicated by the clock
6:09:52
